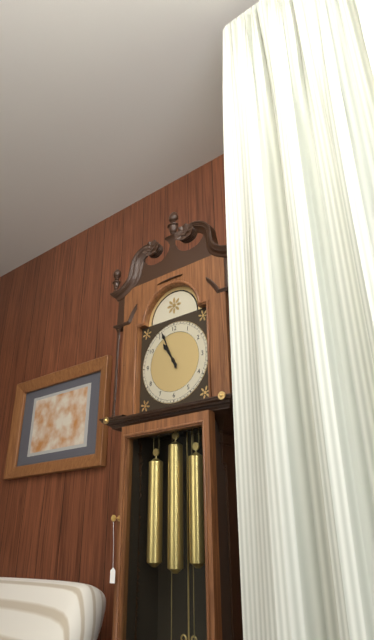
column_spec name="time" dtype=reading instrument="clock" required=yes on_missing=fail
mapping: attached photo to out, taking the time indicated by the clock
10:56
